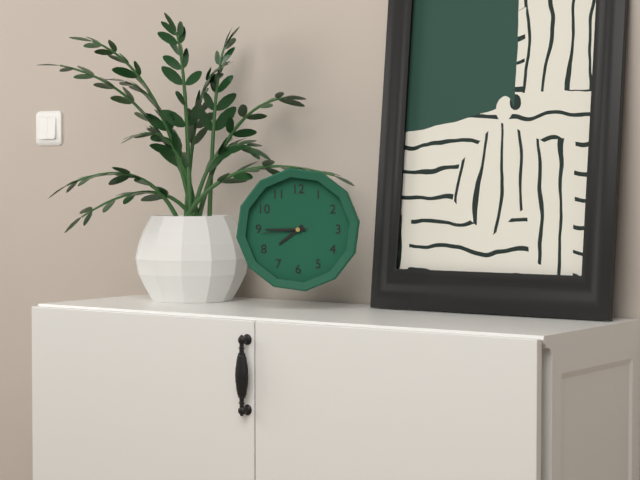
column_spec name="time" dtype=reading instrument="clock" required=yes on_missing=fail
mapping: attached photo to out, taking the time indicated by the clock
7:45
